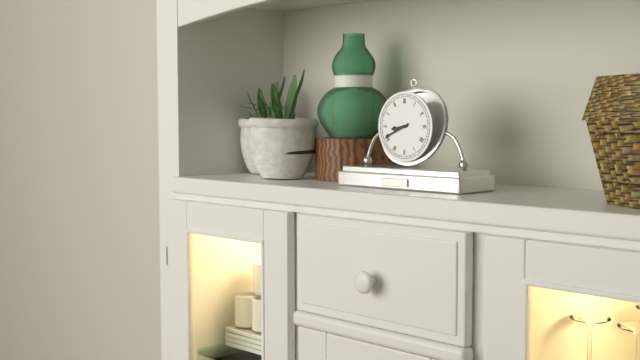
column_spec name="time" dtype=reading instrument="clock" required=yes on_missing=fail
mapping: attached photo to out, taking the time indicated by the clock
8:41
